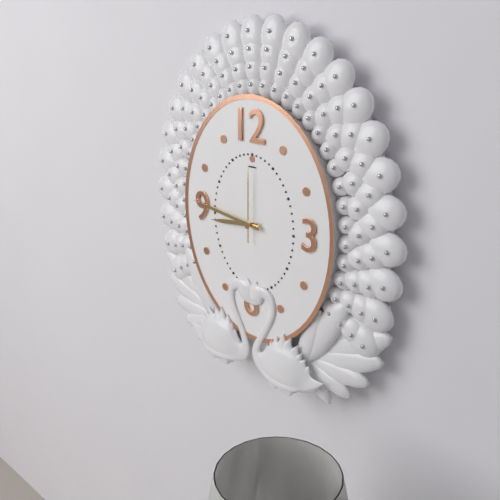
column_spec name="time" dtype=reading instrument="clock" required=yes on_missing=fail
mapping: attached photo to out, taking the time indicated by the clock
8:46:00
